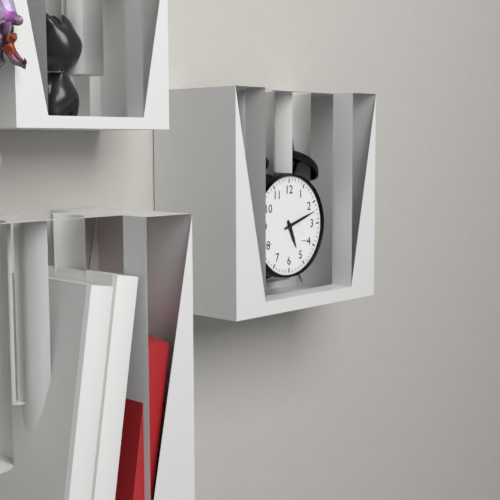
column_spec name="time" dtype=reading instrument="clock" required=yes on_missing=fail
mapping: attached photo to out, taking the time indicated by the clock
5:12
